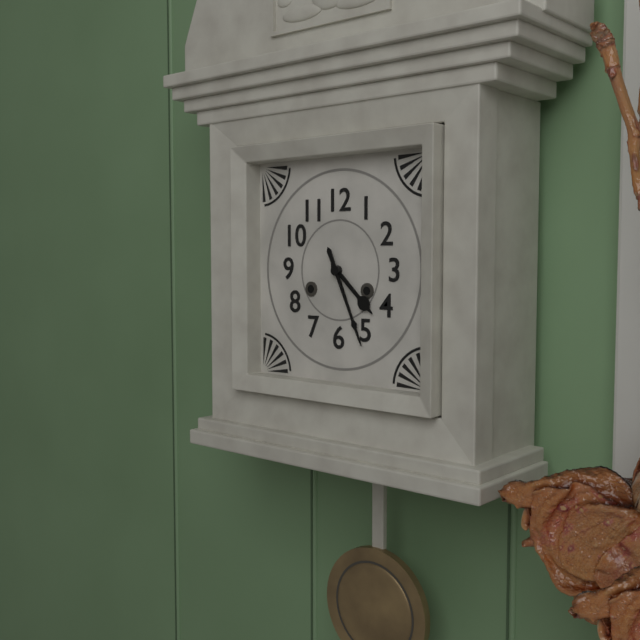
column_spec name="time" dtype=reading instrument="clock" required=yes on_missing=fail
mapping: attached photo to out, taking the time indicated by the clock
4:26
